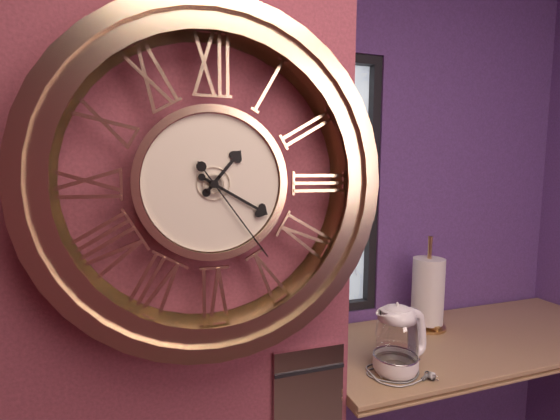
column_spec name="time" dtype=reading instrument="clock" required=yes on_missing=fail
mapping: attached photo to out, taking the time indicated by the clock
1:20:24
